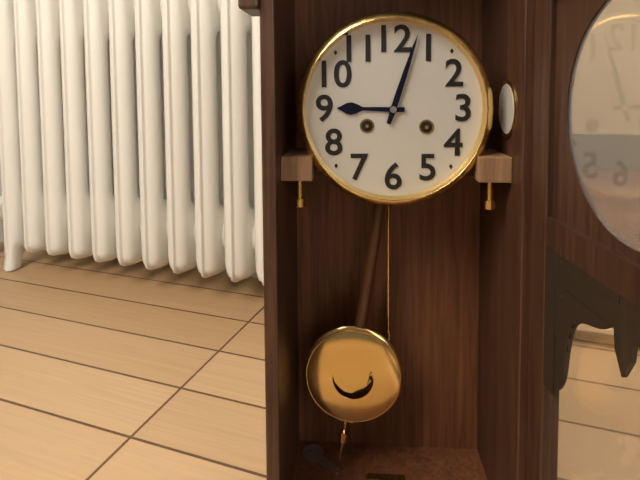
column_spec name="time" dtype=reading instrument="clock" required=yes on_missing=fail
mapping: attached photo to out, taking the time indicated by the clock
9:03
